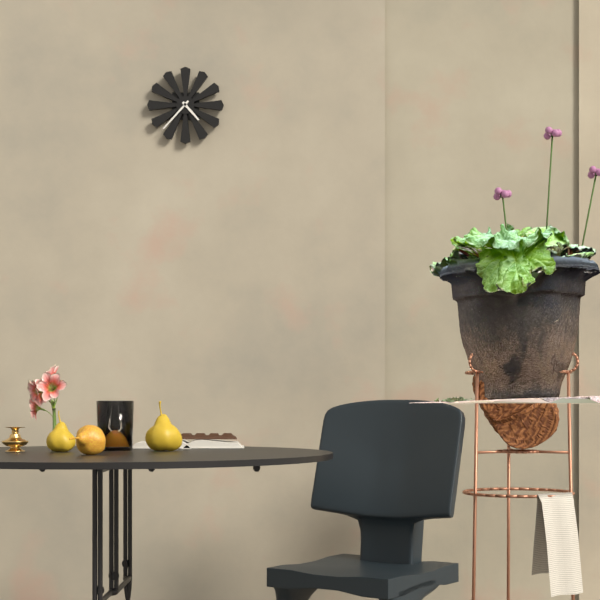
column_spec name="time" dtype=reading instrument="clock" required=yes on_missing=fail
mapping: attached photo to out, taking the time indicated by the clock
4:37
